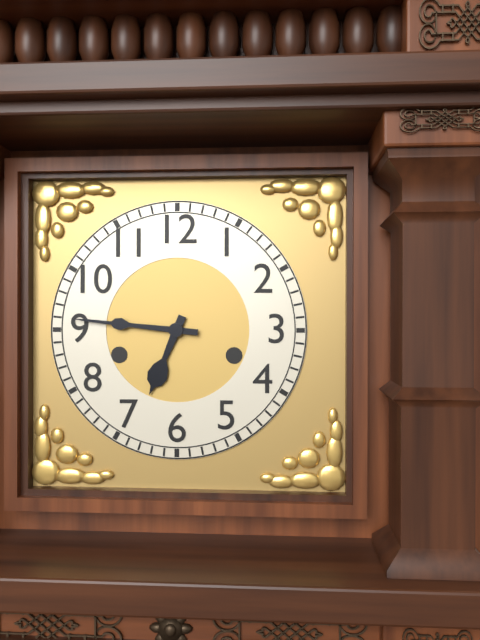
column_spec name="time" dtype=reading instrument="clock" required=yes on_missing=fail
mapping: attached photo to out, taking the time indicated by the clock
6:46
